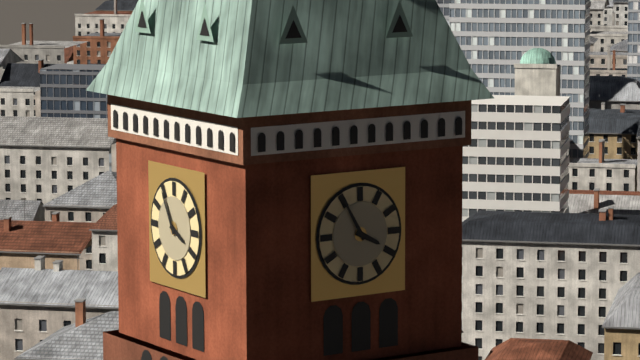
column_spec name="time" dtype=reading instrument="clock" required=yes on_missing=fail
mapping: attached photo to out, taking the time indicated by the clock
3:55
